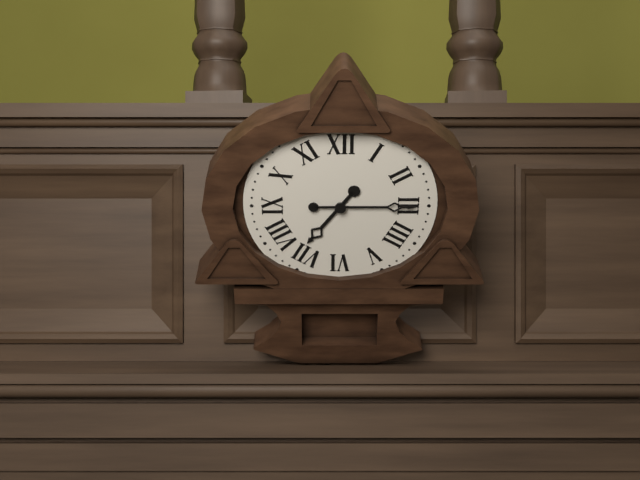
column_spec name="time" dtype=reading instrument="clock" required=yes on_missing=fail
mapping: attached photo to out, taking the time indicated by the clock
7:15
